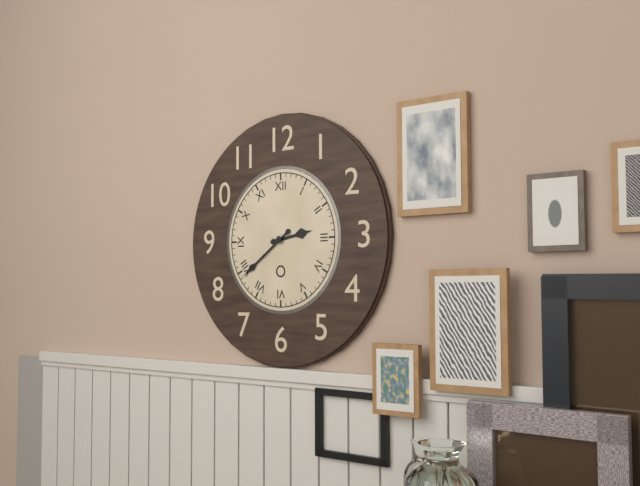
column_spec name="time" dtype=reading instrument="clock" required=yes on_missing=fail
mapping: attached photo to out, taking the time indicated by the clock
2:39
